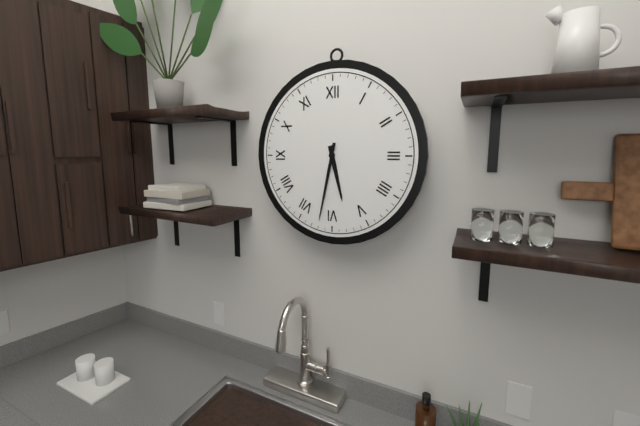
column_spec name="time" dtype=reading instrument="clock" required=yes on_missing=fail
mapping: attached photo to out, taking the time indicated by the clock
5:32
